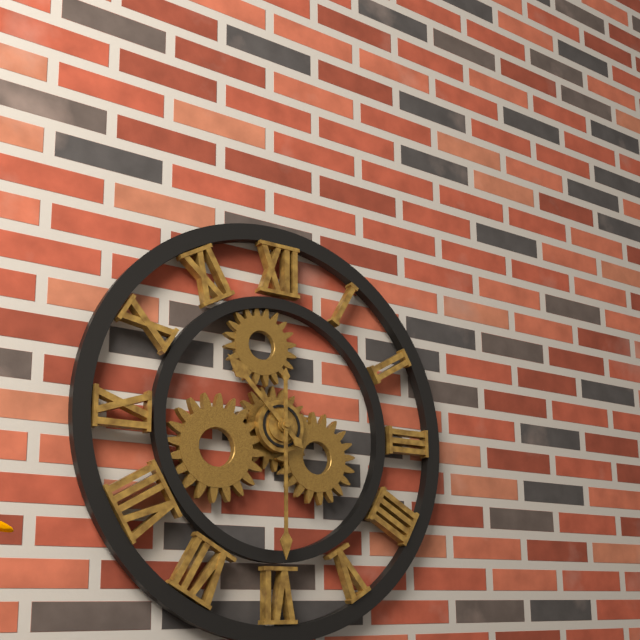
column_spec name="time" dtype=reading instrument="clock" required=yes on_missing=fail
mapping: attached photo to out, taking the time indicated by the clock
10:30
